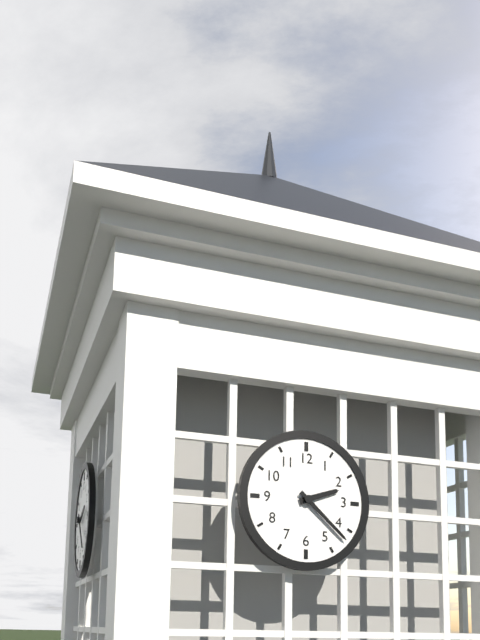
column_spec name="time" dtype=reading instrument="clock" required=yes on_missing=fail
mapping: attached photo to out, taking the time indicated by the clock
2:22
